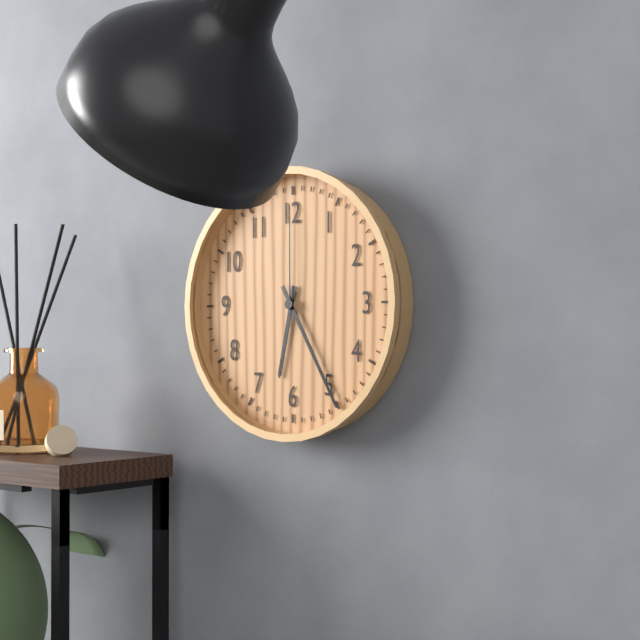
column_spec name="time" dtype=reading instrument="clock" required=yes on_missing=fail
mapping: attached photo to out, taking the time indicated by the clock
6:25:00
